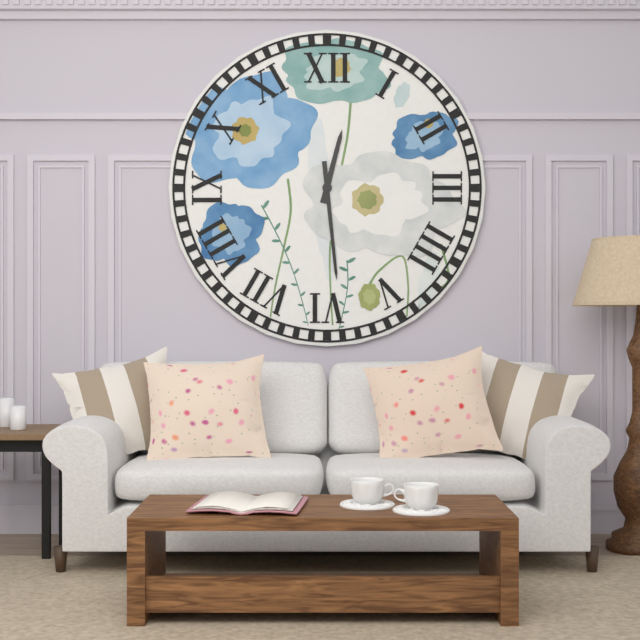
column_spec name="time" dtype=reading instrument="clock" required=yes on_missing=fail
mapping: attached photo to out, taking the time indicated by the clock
12:29
